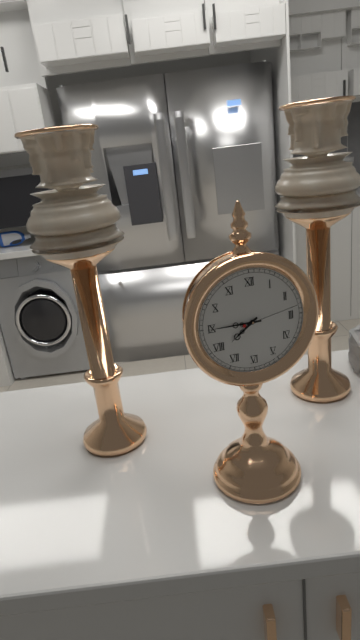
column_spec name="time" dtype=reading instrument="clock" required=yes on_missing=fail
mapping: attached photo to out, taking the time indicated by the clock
7:45:13
